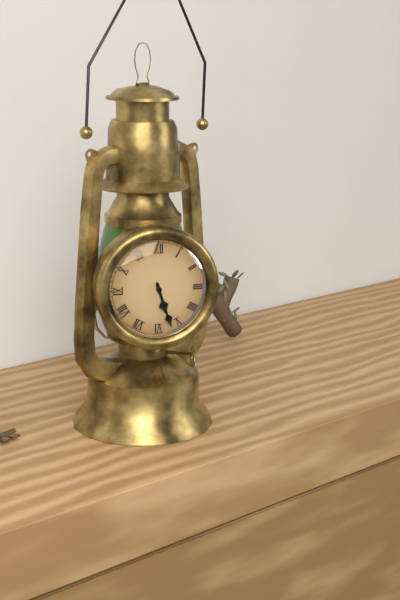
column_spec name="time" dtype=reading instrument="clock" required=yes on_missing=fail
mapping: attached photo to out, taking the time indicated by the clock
5:27
